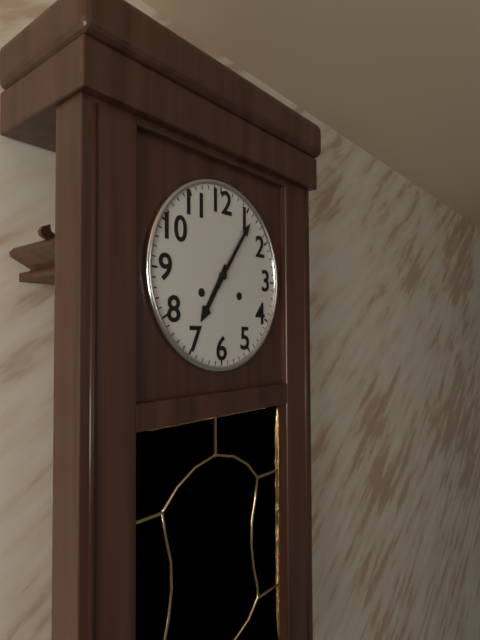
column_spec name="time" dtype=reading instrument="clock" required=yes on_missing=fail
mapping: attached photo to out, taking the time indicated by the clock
7:06
